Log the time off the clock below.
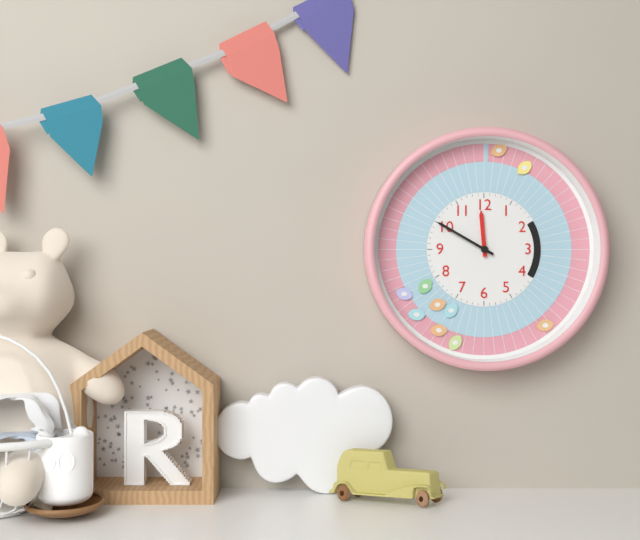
11:50
